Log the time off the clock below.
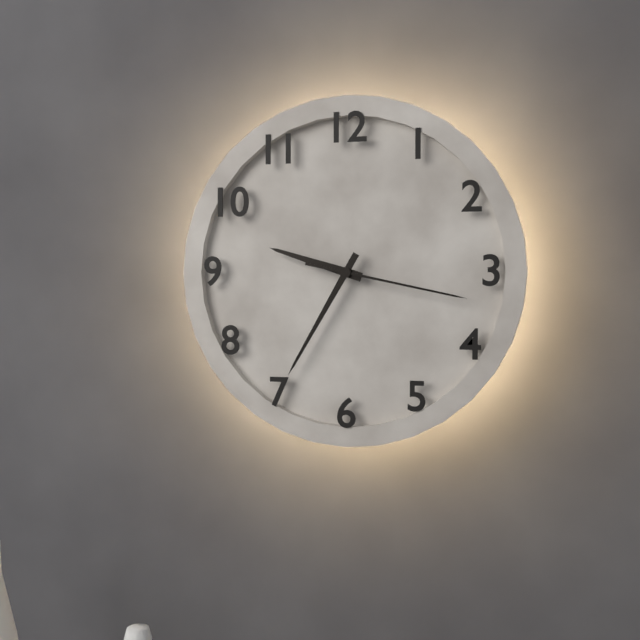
9:35:17
